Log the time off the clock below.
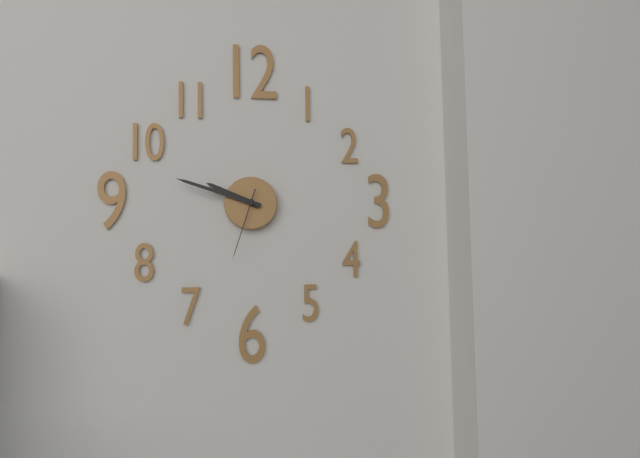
9:48:33
